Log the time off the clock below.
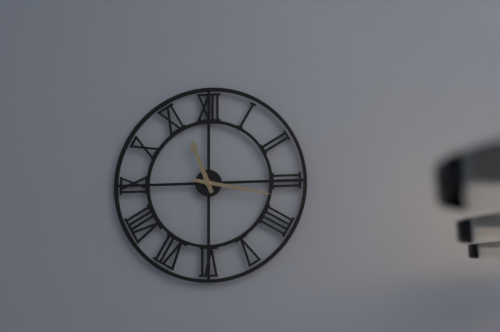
11:17
